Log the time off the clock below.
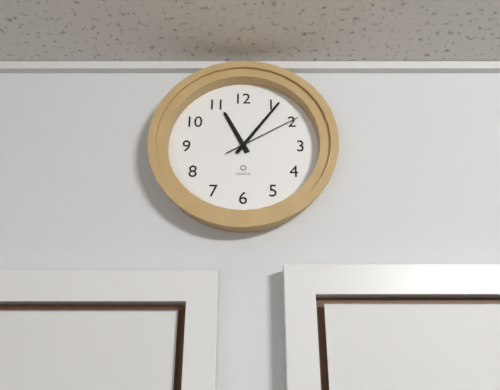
11:06:10
